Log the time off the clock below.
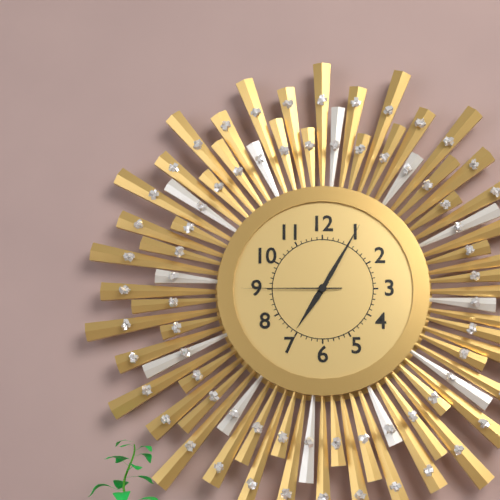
7:05:45
